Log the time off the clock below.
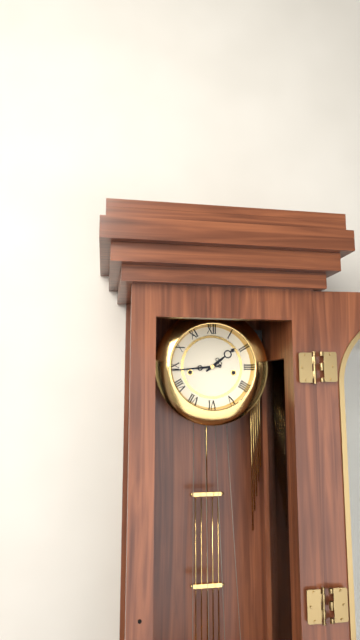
1:44
